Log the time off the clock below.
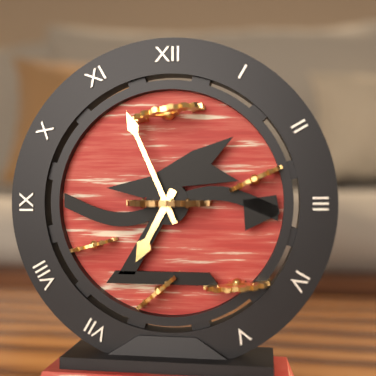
6:56
